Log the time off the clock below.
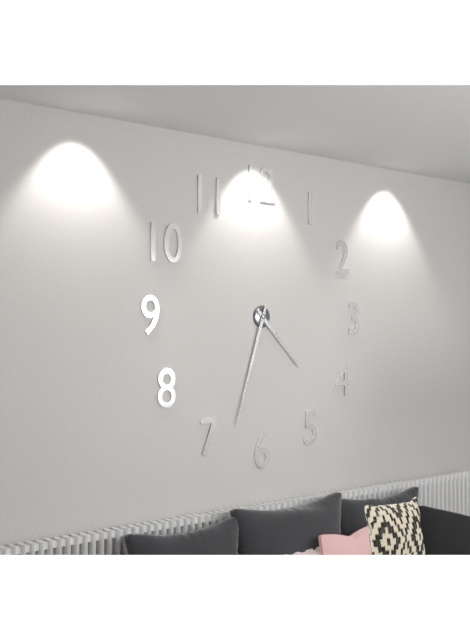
4:33
